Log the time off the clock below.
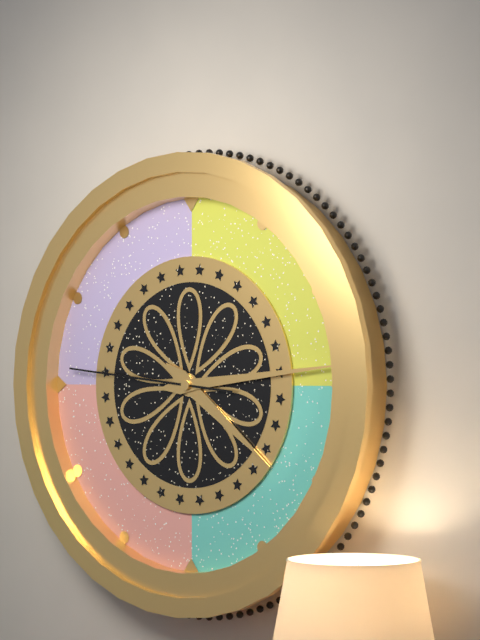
4:14:46
